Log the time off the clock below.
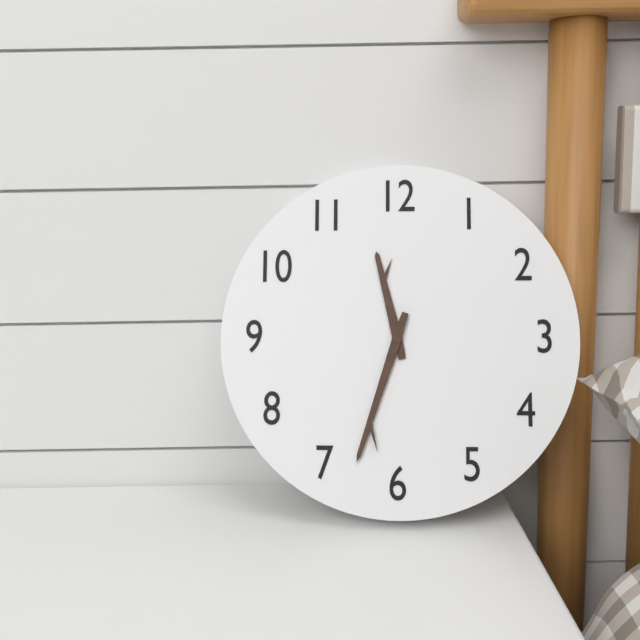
11:33
